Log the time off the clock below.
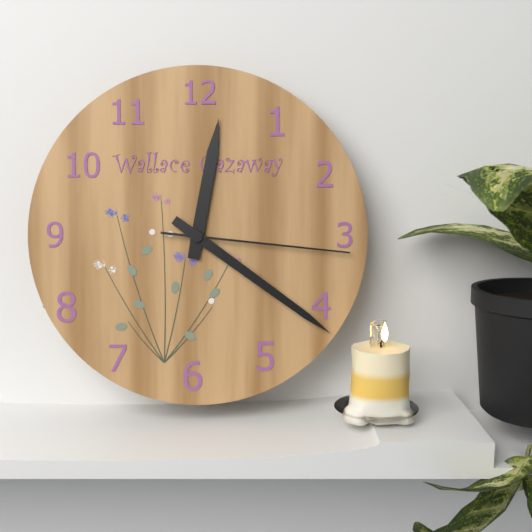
12:21:16
